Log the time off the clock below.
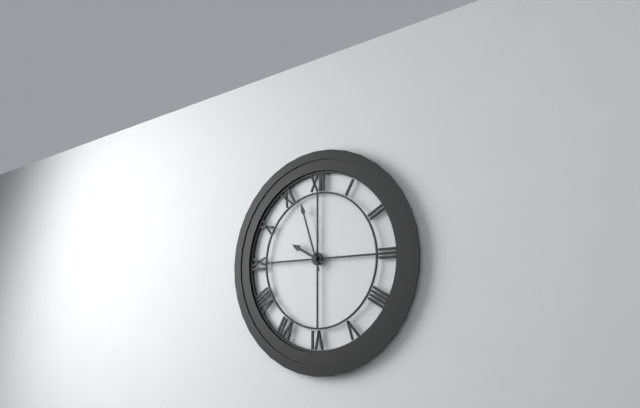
9:57
